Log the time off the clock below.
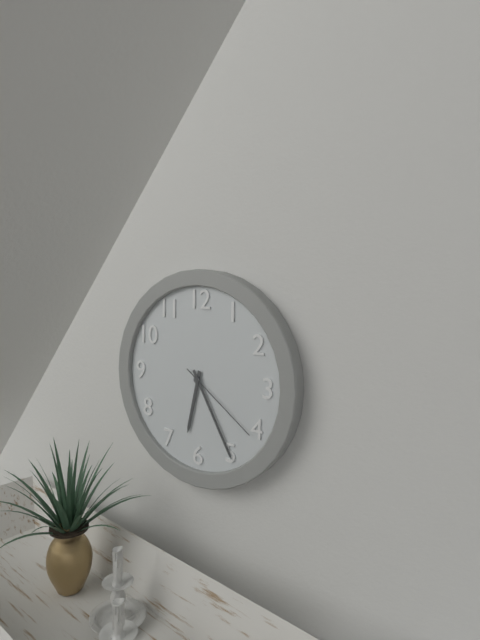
6:25:21
